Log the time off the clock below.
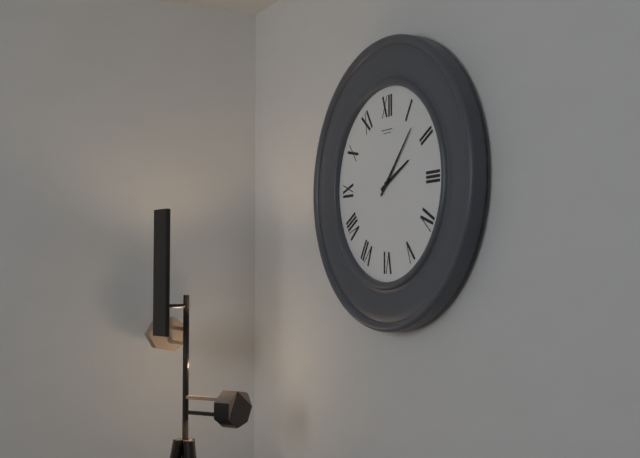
2:07
